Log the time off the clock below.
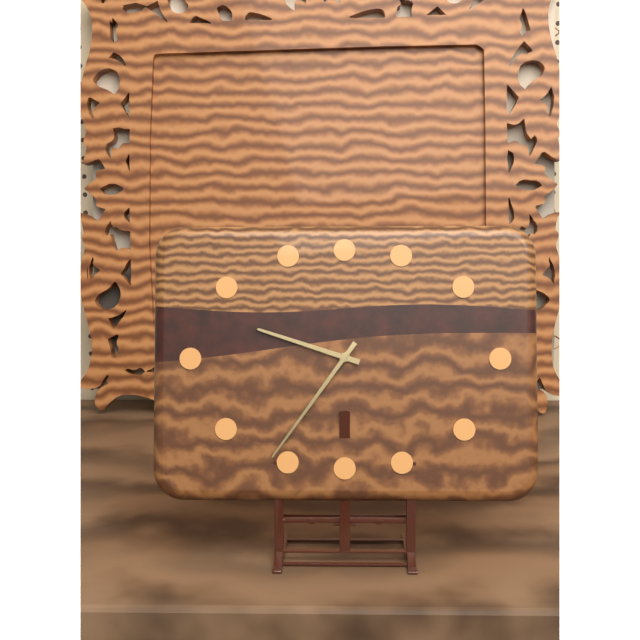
9:36
